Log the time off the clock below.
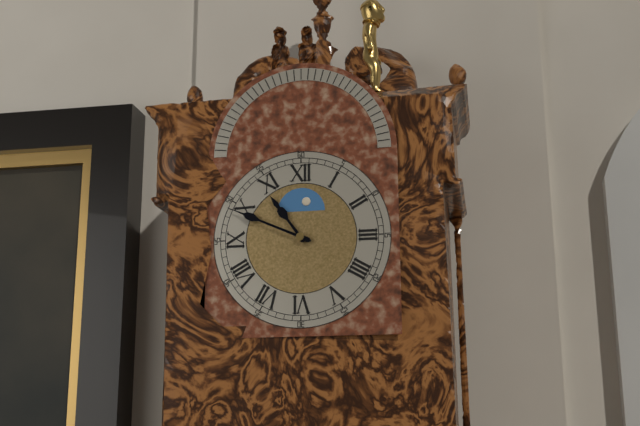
10:49
